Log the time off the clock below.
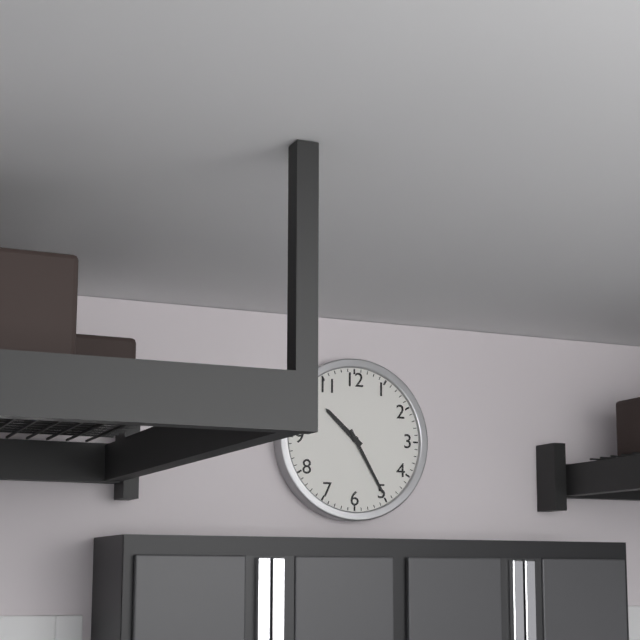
10:25
